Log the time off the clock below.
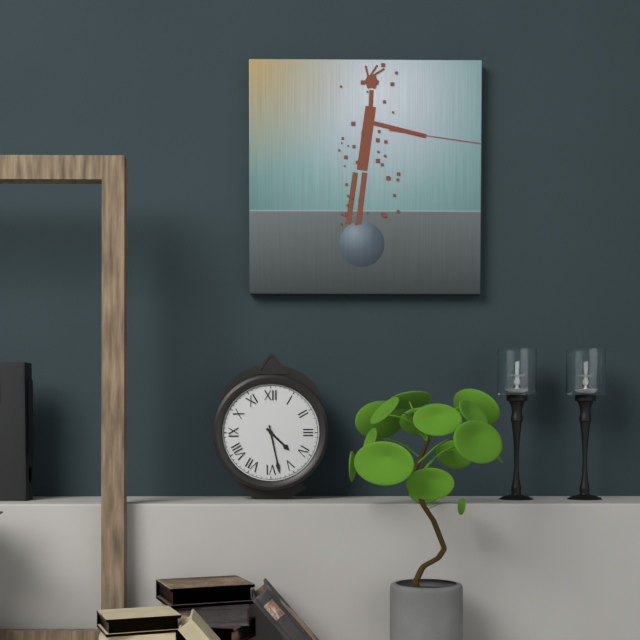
4:28
